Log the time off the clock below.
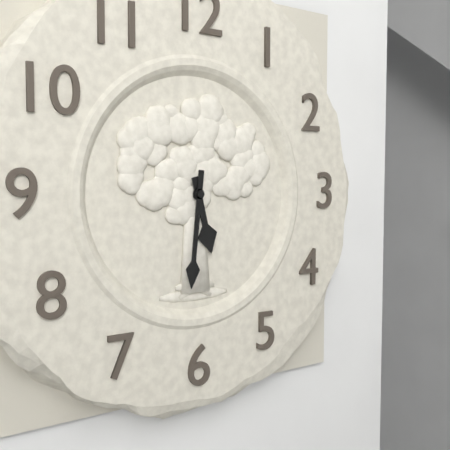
5:31
